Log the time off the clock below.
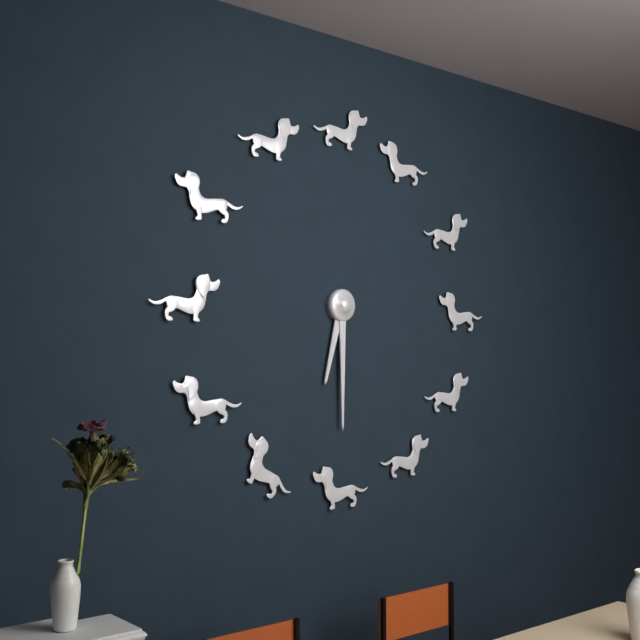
6:30
